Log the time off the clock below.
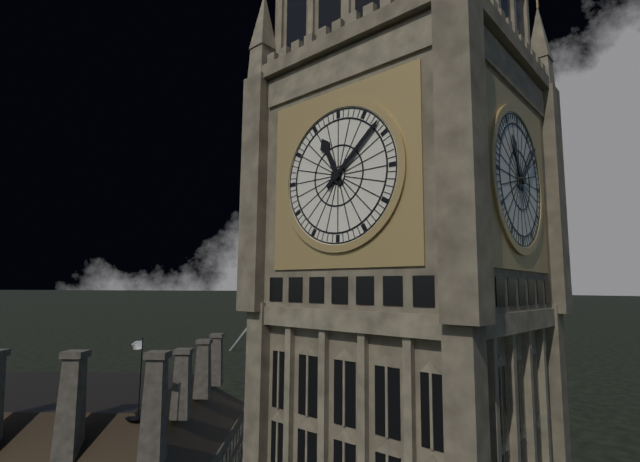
11:08
